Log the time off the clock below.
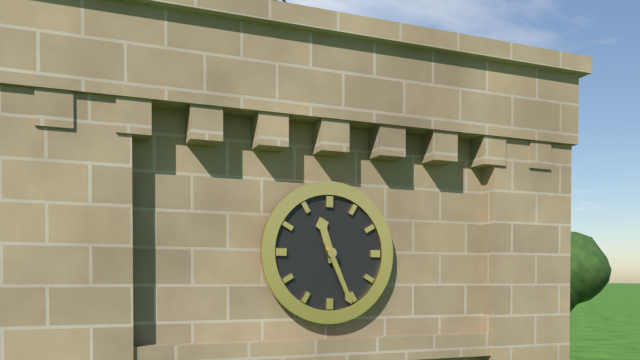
11:26
